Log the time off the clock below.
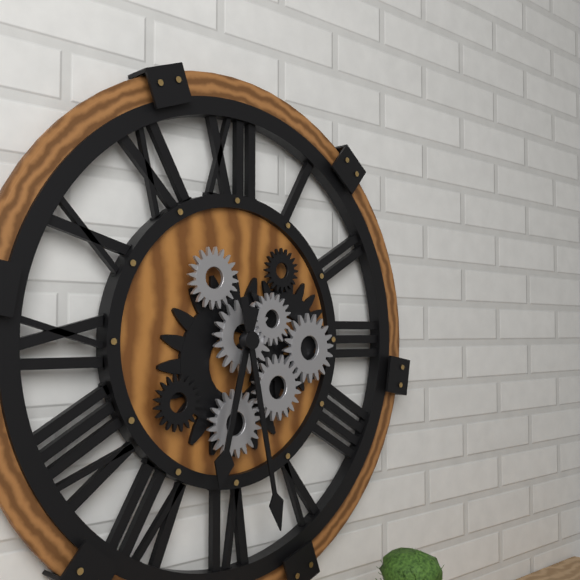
6:28
